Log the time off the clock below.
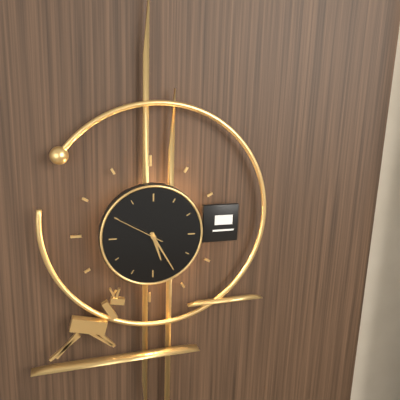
5:25:50
